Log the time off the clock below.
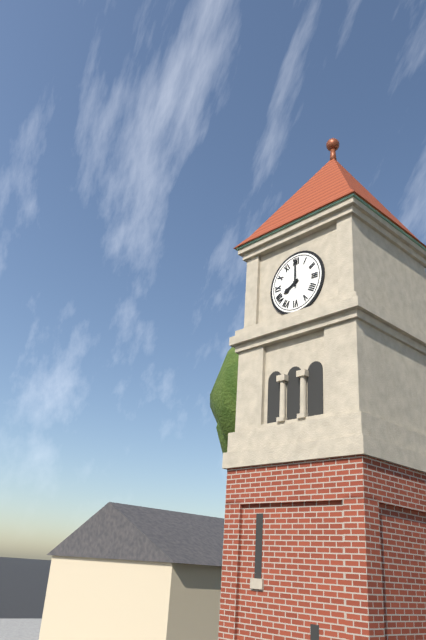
8:00
